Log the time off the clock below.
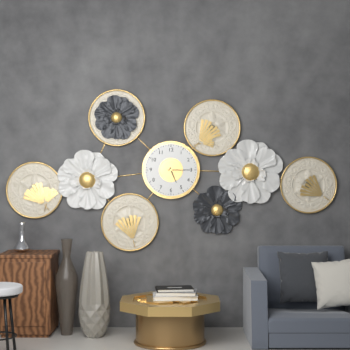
5:15
